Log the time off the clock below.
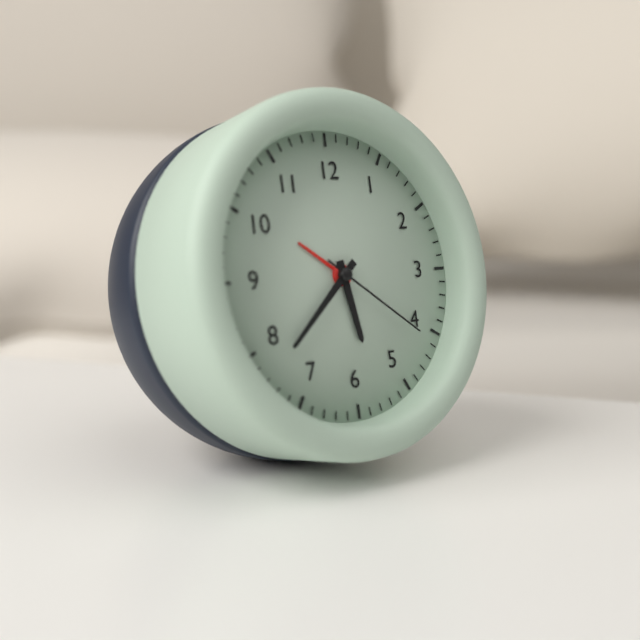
5:38:21
